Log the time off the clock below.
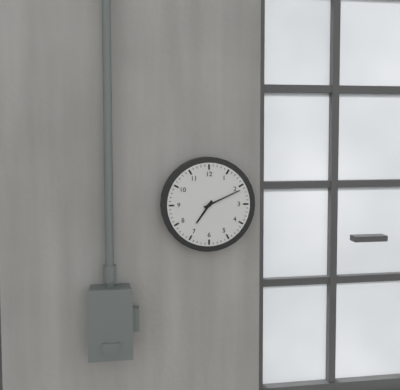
7:11
